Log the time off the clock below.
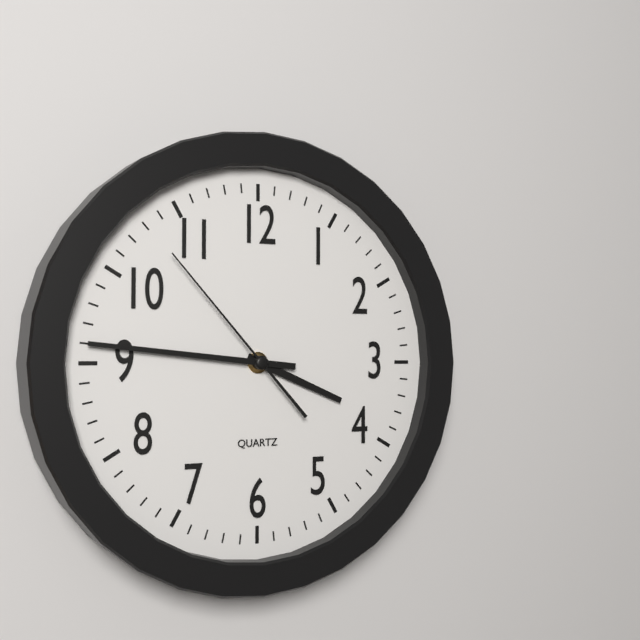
3:46:53
